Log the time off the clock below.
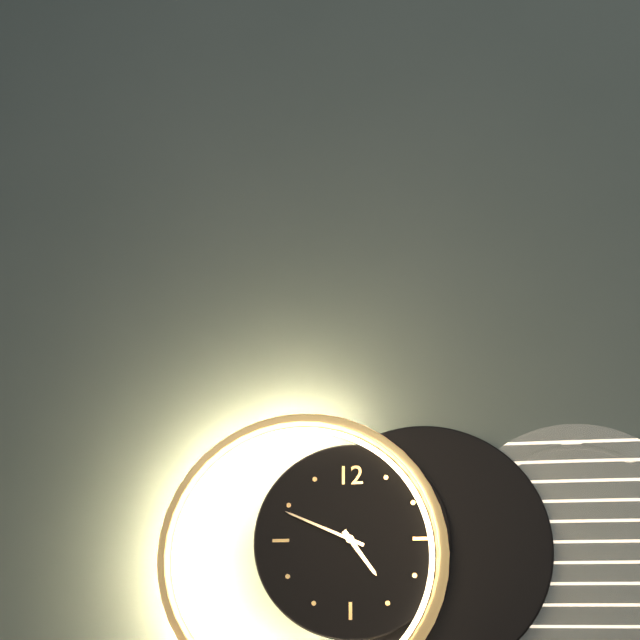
4:49
